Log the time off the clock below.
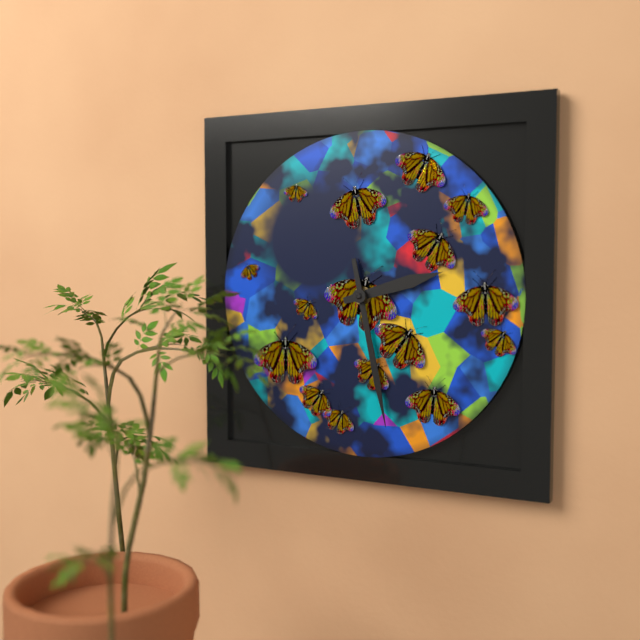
2:28
